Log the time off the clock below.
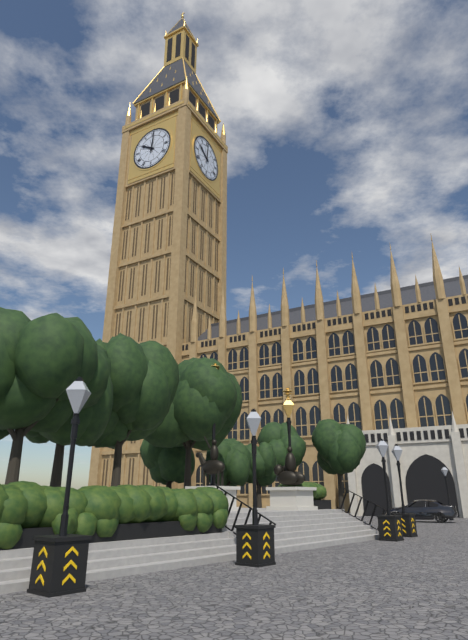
10:01
